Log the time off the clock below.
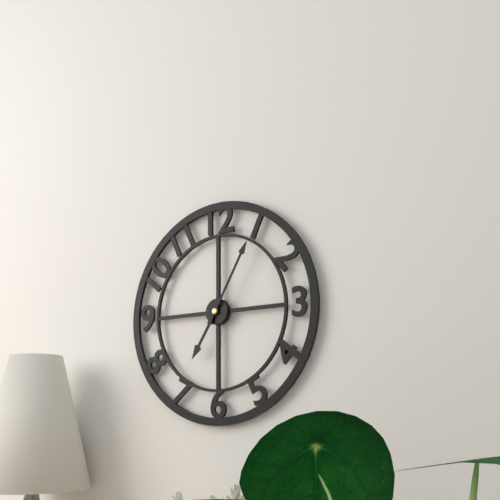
7:05
